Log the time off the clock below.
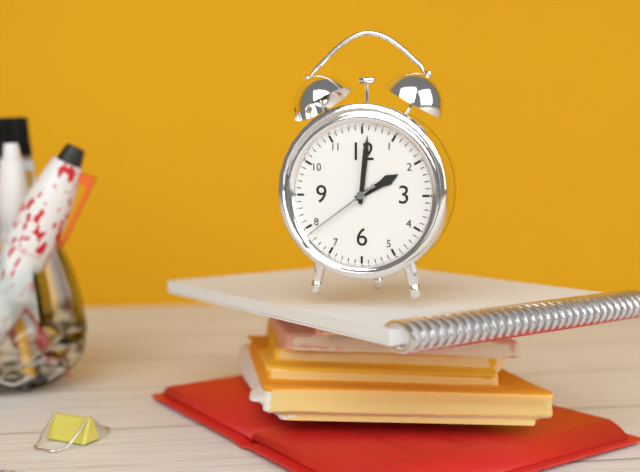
2:01:39
